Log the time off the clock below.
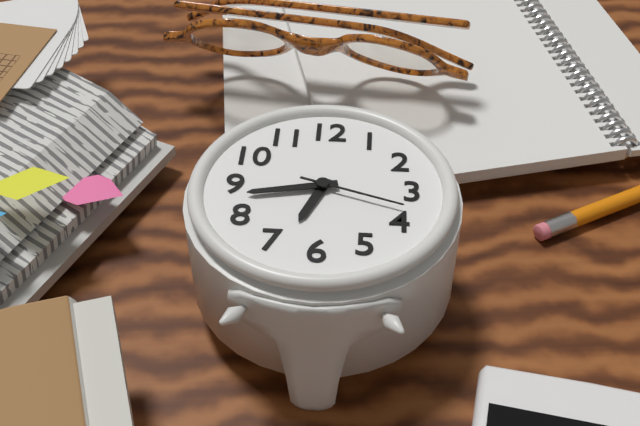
6:43:18
